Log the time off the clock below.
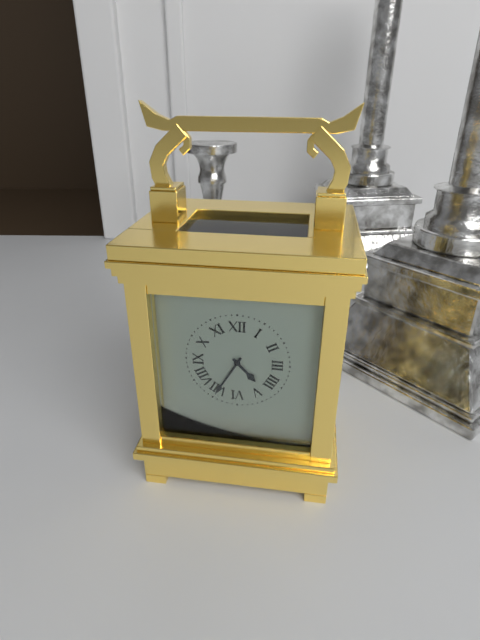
4:35
